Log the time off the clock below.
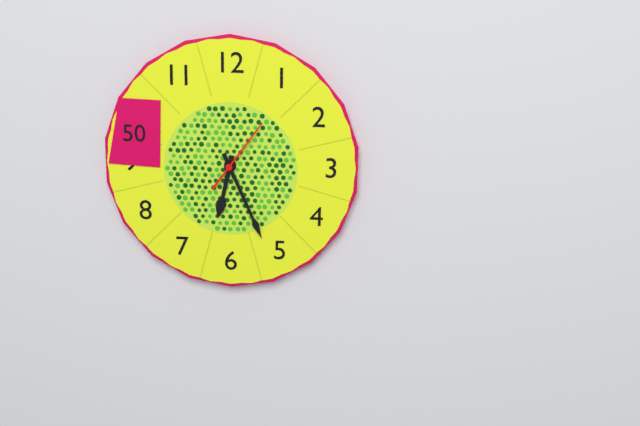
6:26:06
